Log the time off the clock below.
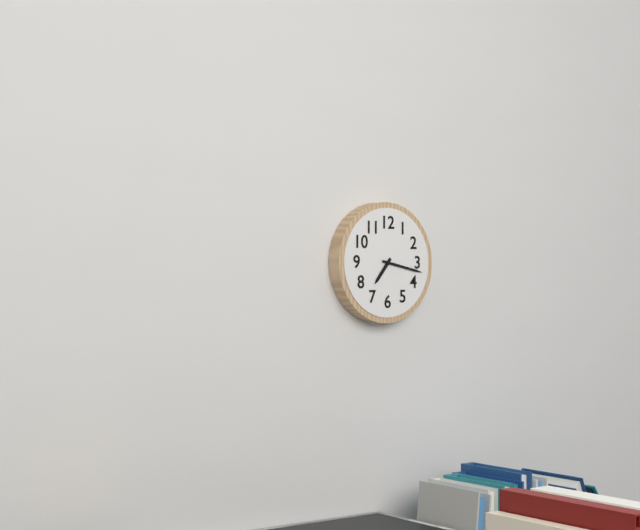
7:17
